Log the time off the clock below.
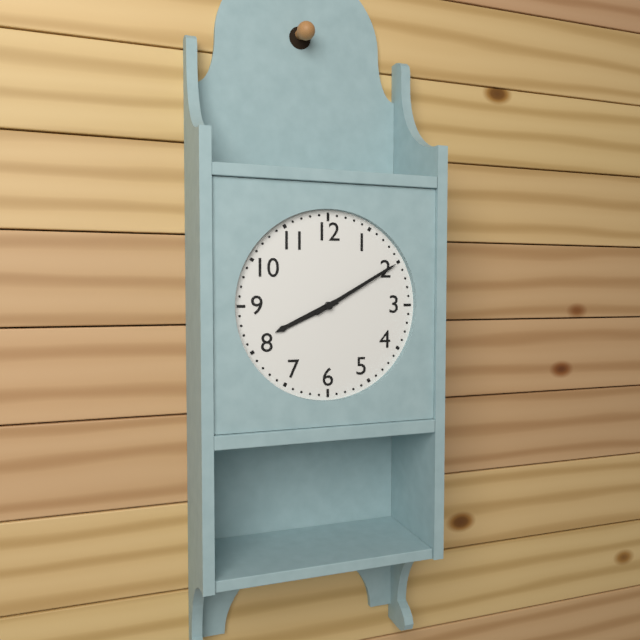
8:10
